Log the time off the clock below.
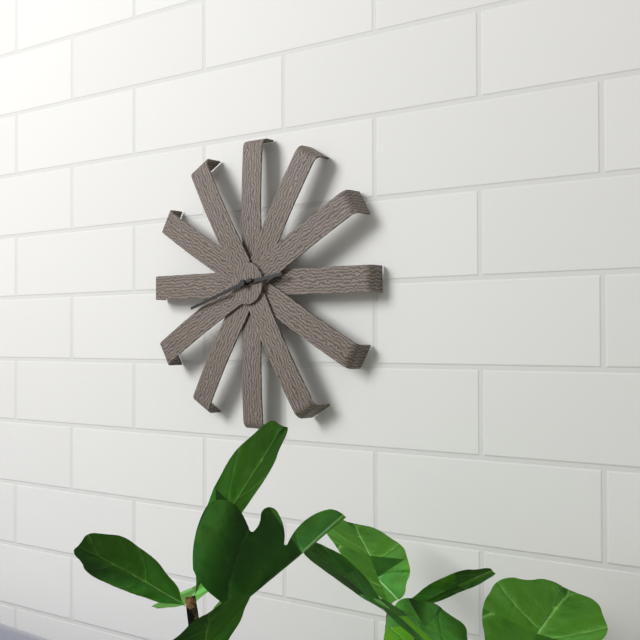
2:42
